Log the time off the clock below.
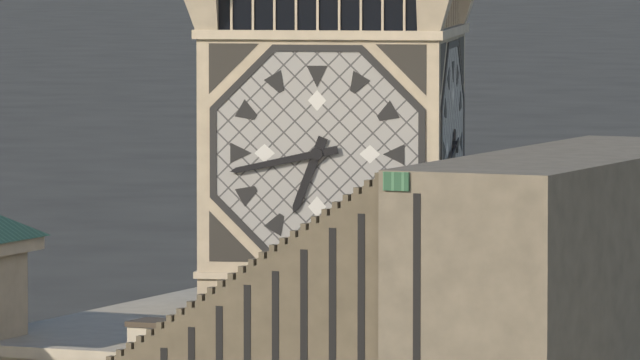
6:43
